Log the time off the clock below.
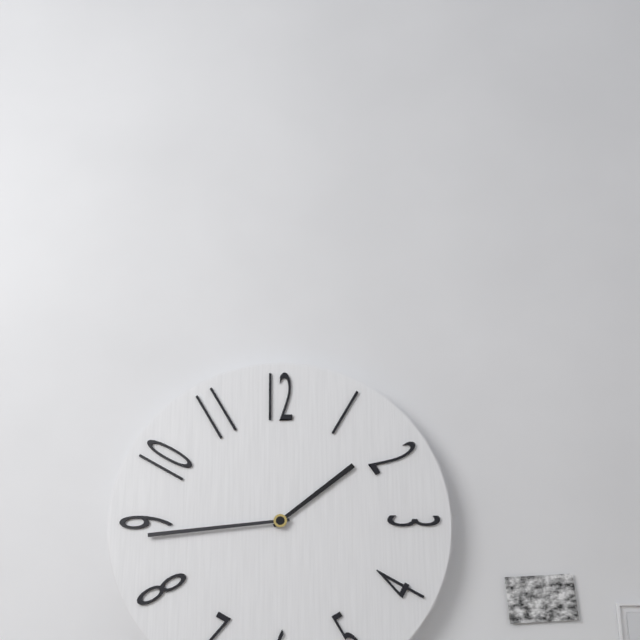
1:44
